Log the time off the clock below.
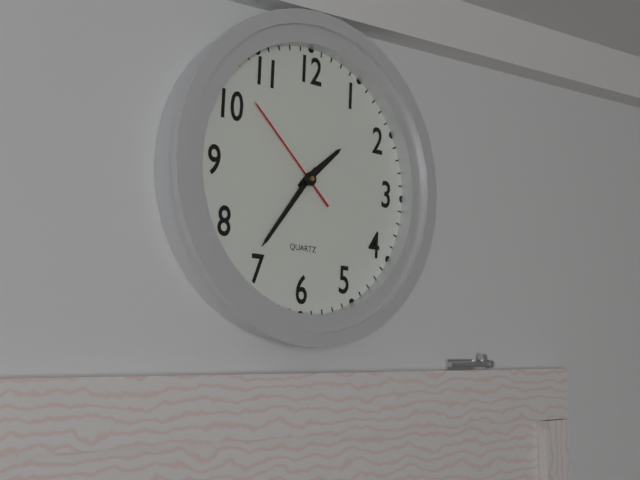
1:36:52
